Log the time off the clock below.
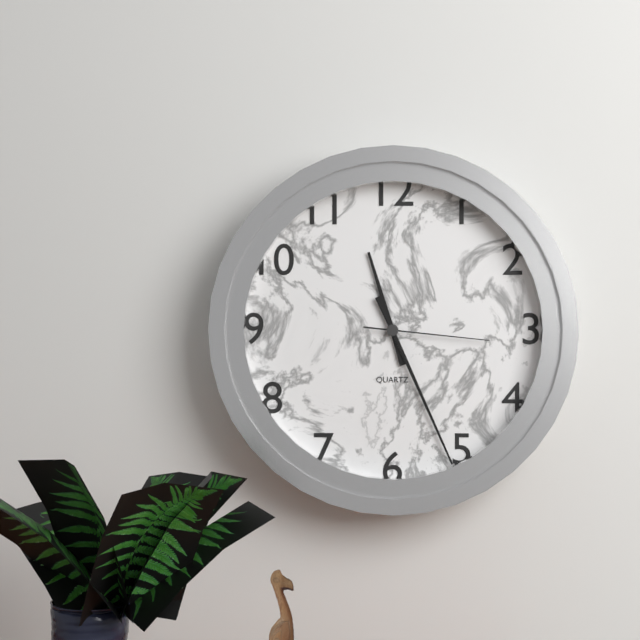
11:26:16
